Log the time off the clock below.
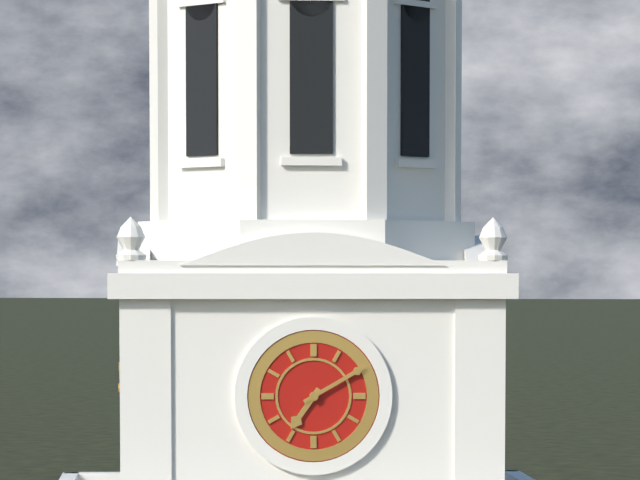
7:10
